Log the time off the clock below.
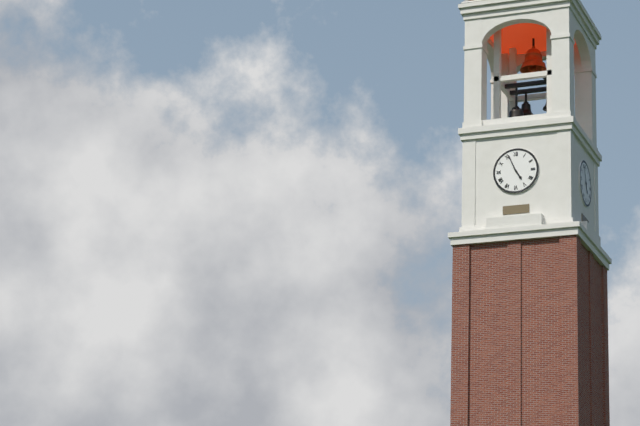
4:56
